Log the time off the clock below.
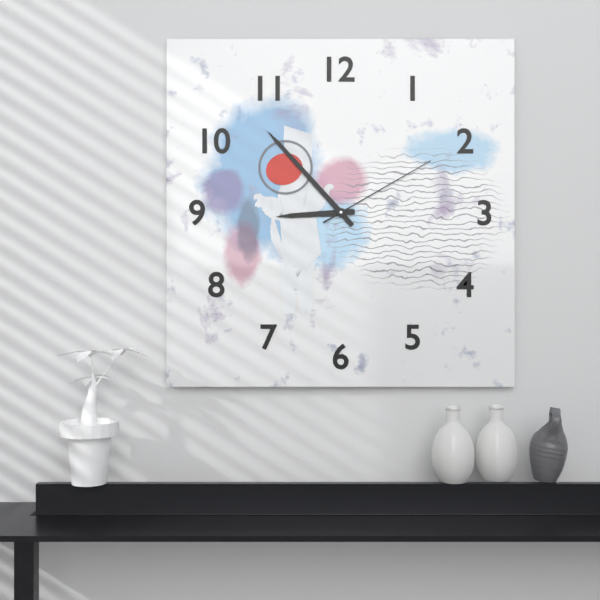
8:53:10
